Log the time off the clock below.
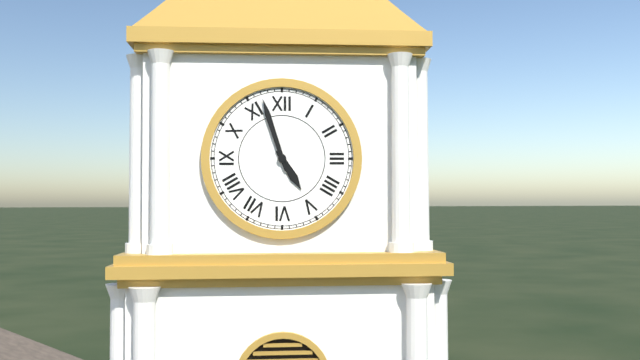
4:57
